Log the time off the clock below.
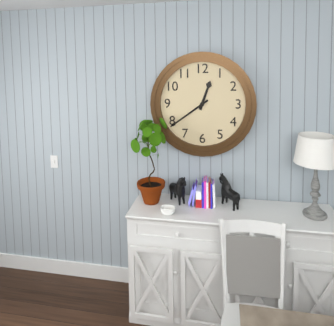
12:39
